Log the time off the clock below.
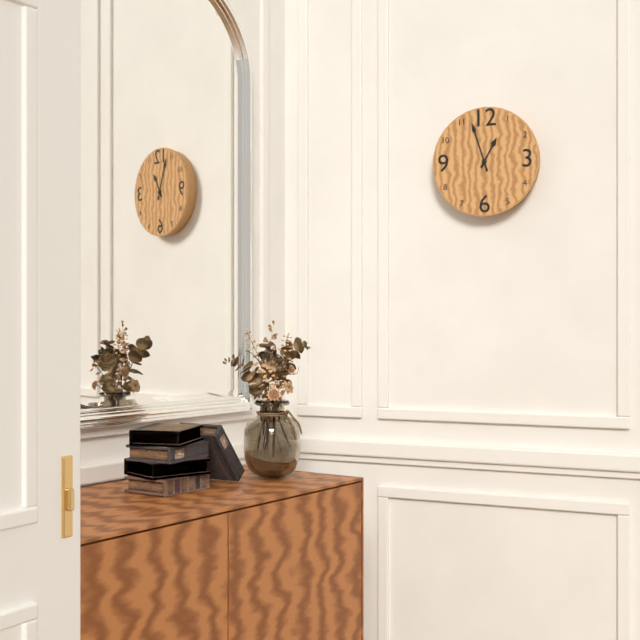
12:57
